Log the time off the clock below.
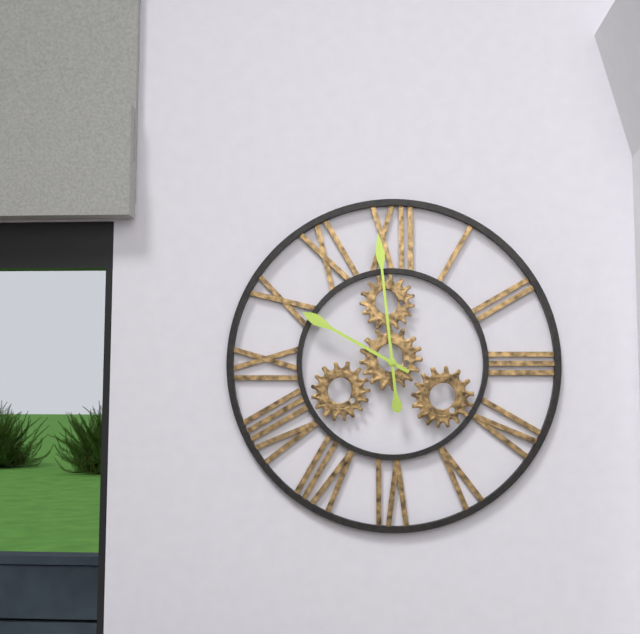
9:59
